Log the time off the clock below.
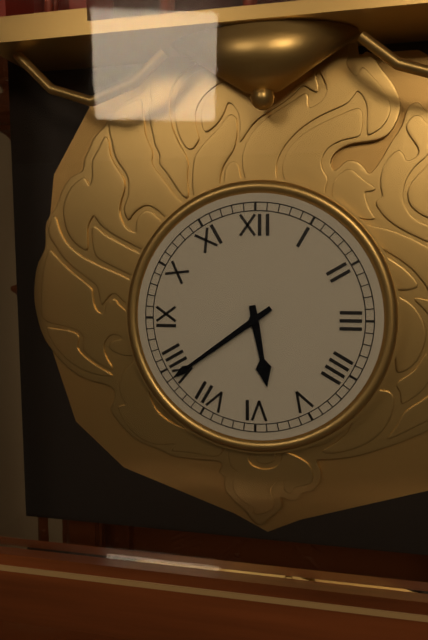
5:39
